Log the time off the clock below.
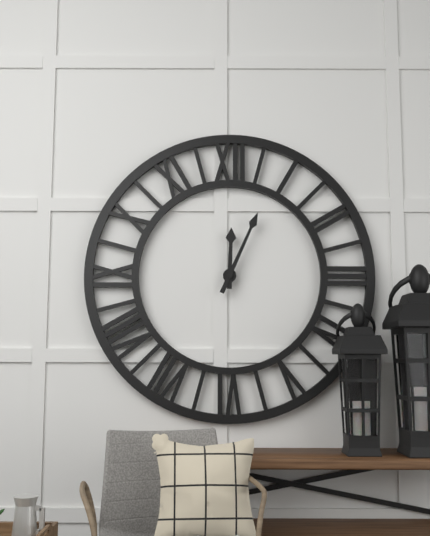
12:04
